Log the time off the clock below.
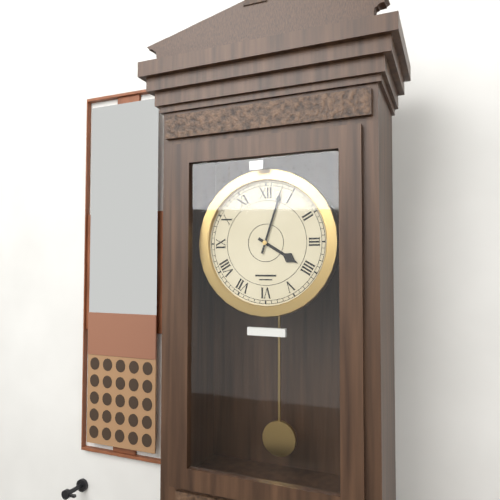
4:03
